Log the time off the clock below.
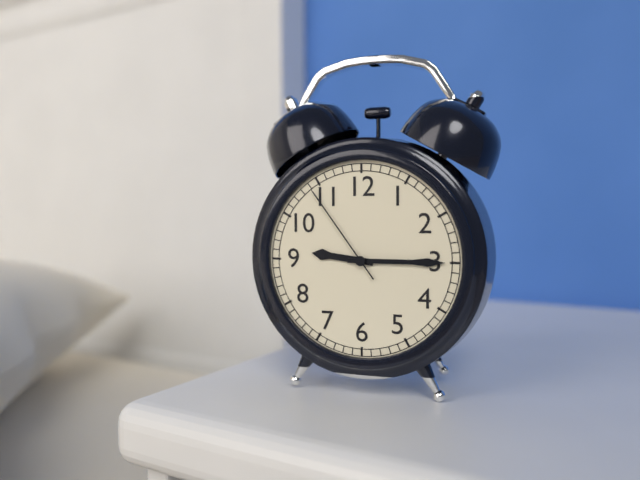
9:15:54
